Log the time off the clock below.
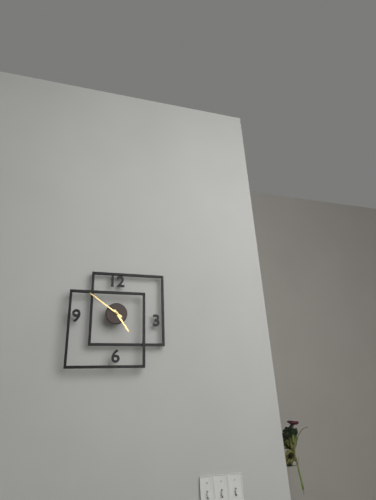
4:51
